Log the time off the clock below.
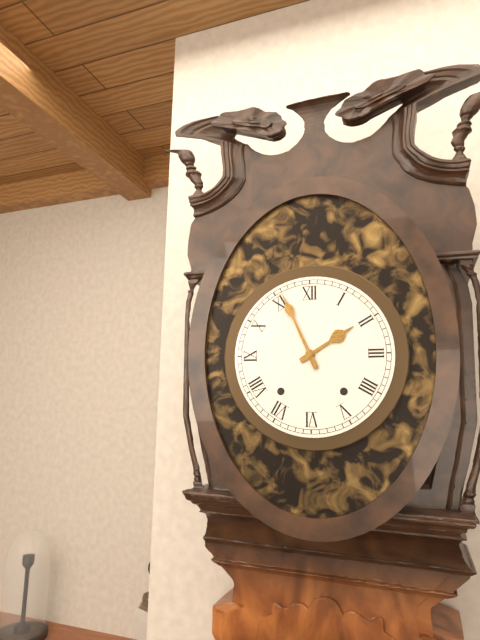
1:56
